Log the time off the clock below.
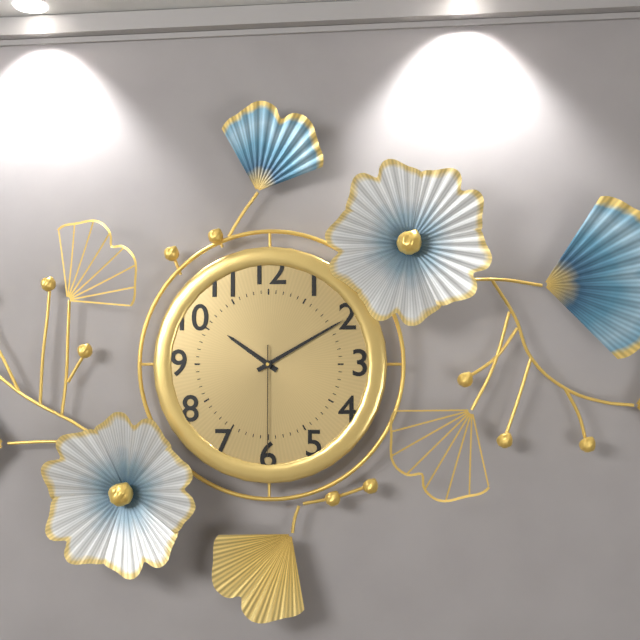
10:10:30
